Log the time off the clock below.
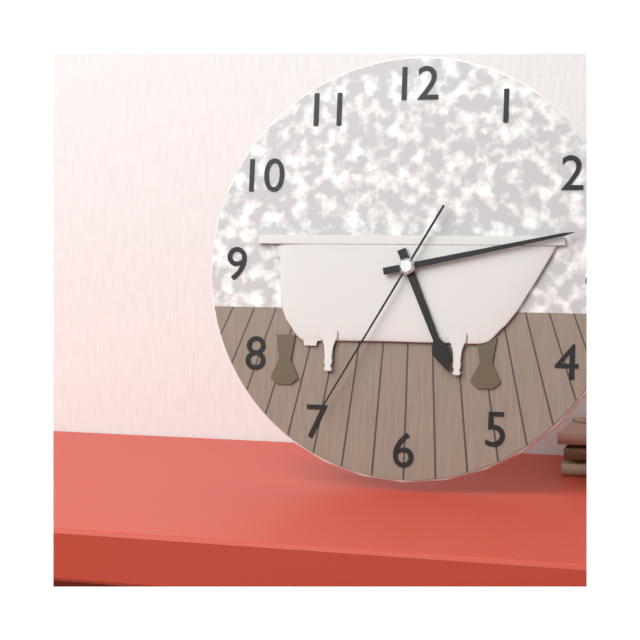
5:13:35
